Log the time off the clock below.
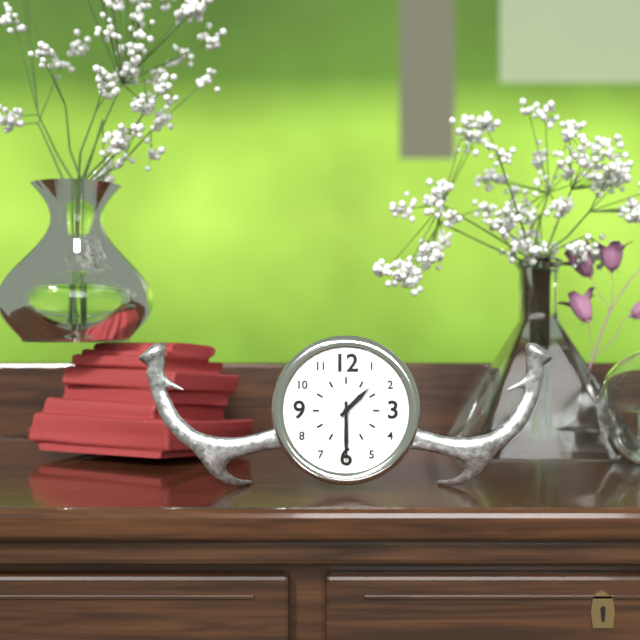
1:30
